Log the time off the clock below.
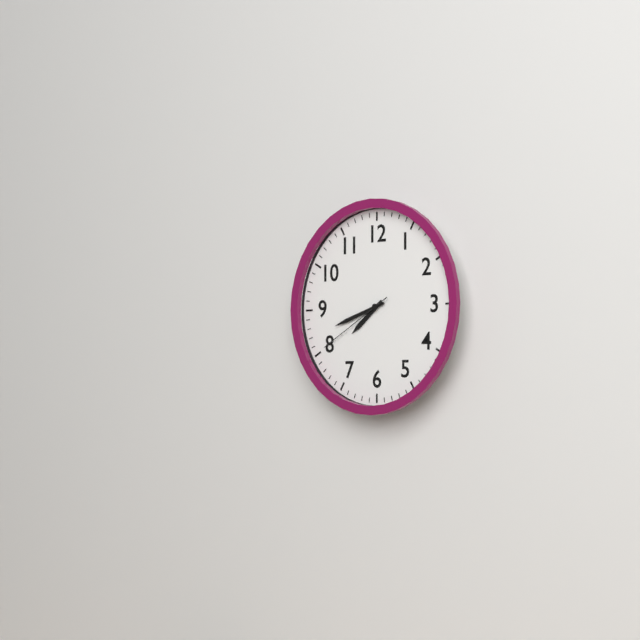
7:42:40
